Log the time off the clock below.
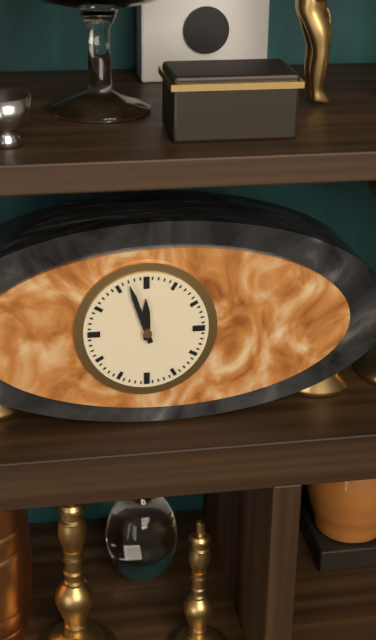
11:57
